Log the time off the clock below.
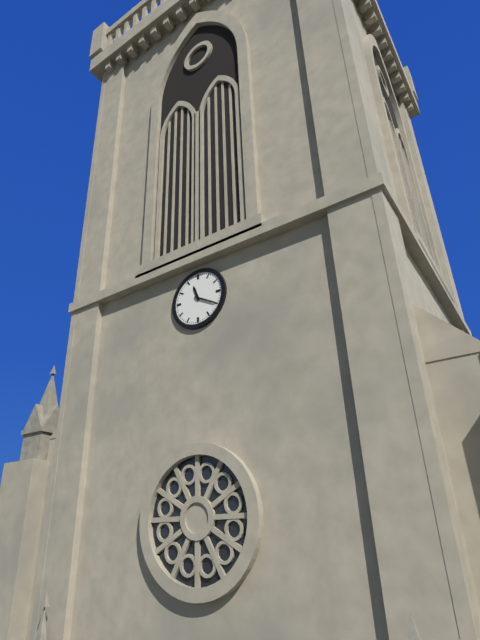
11:20
